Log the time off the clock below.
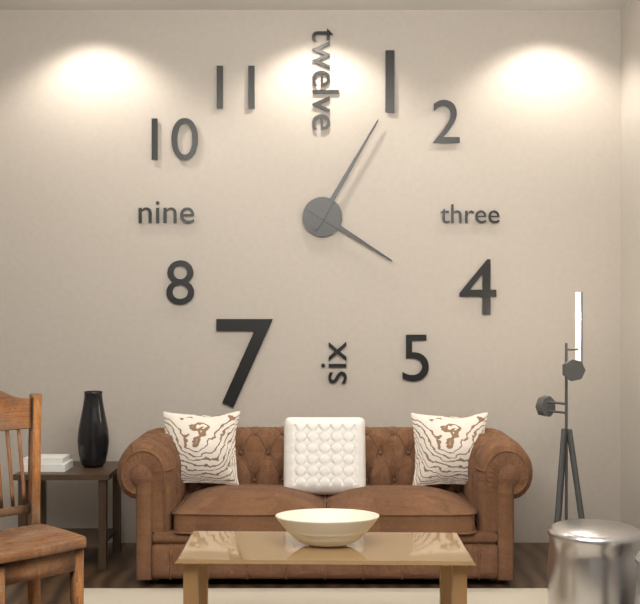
4:05
